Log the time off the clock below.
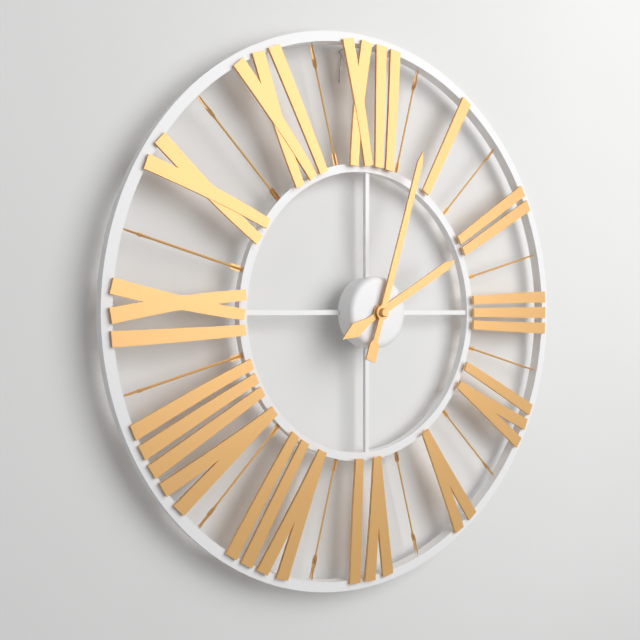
2:03
